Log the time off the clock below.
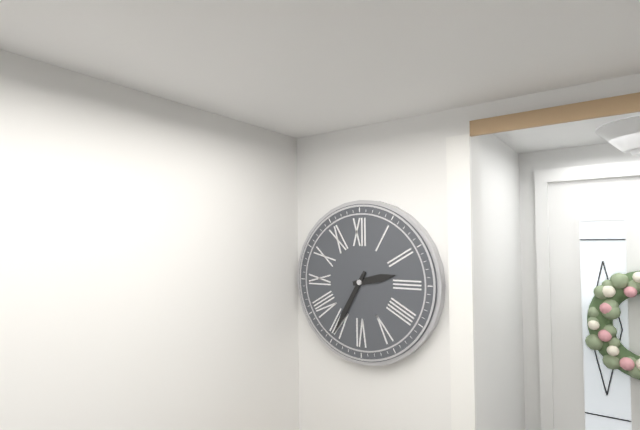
2:35
